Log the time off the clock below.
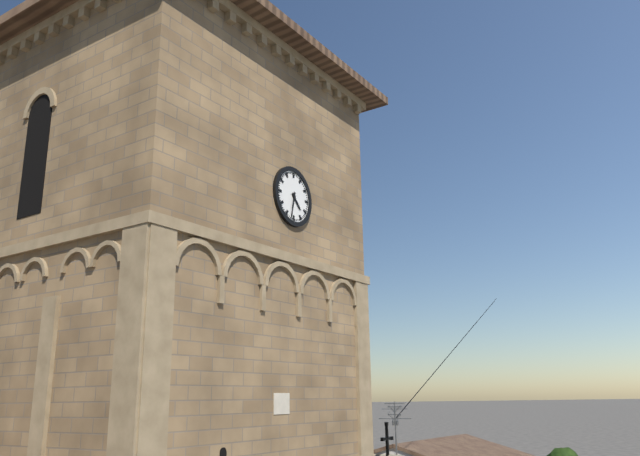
4:32
